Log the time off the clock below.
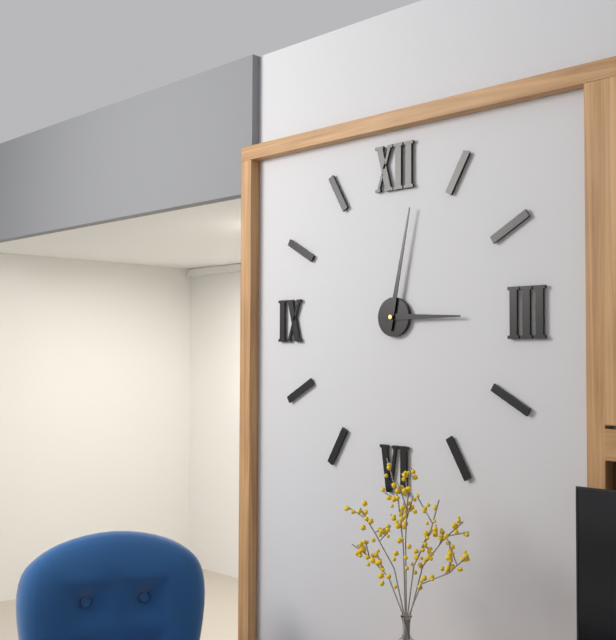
3:02
